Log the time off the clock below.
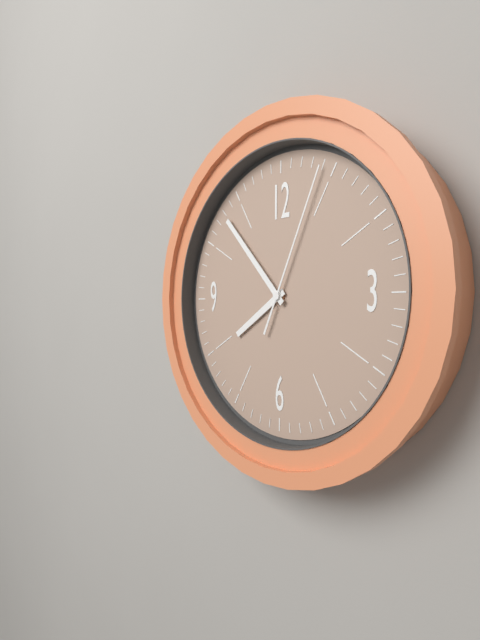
7:53:04
